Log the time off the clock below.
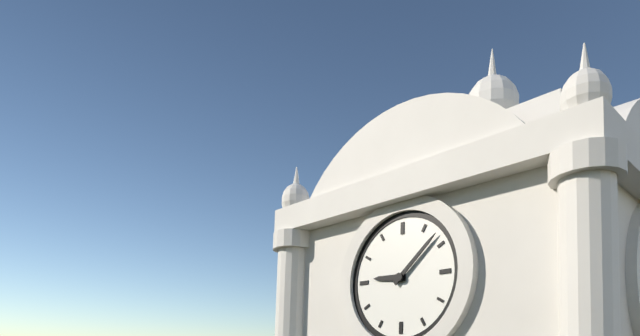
9:08
